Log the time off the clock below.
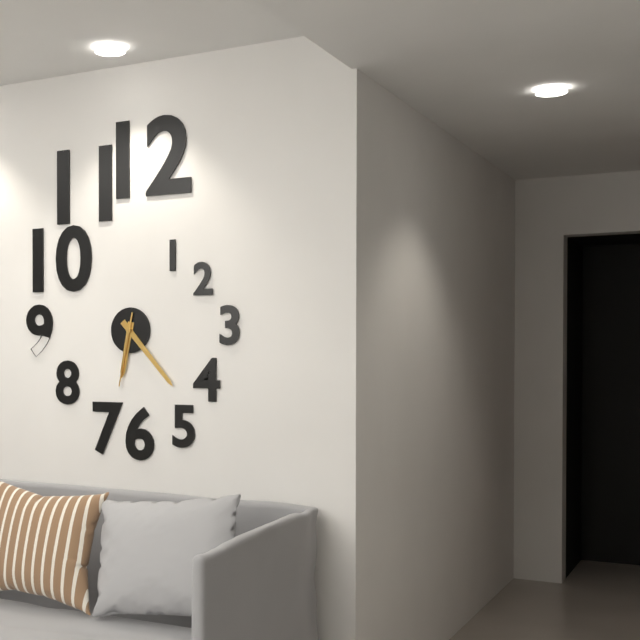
6:23:32
